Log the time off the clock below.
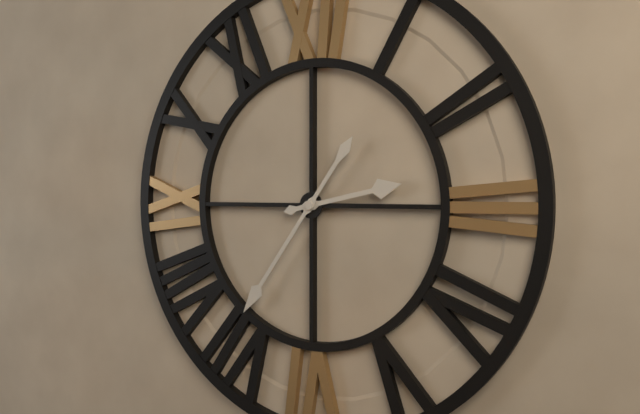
2:36
